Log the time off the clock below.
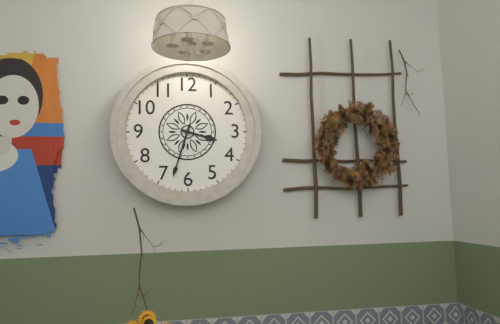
3:33
